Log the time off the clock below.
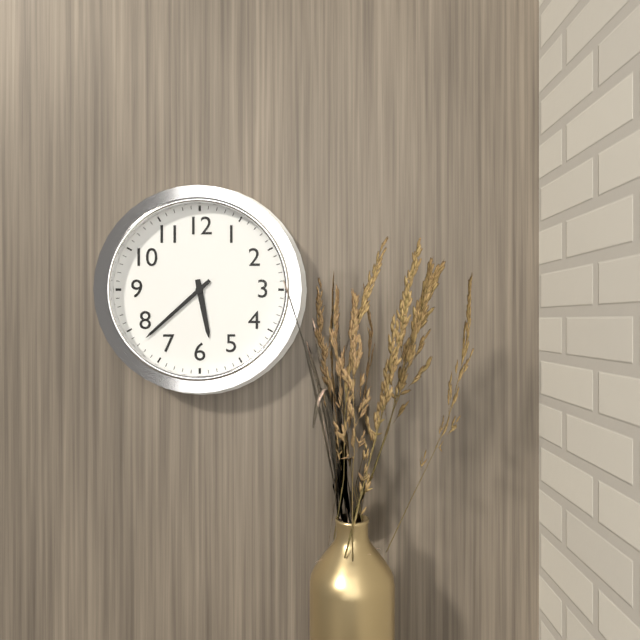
5:38
